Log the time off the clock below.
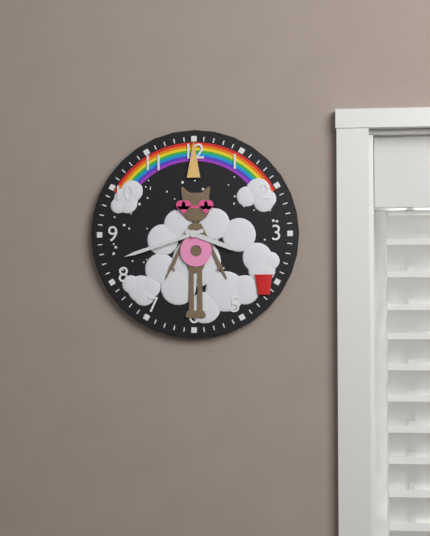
3:42
